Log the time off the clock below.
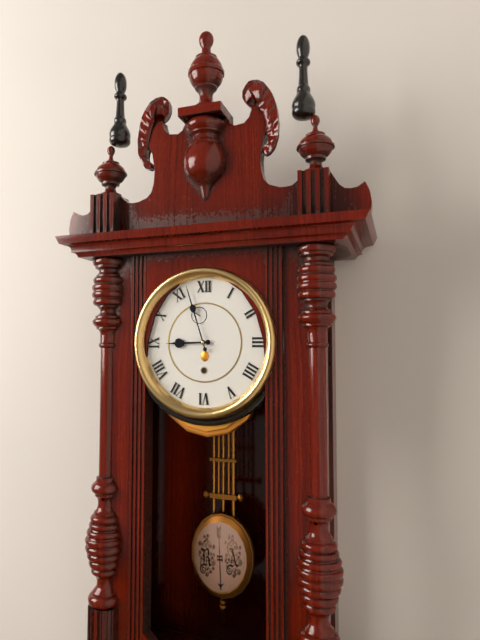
8:57
